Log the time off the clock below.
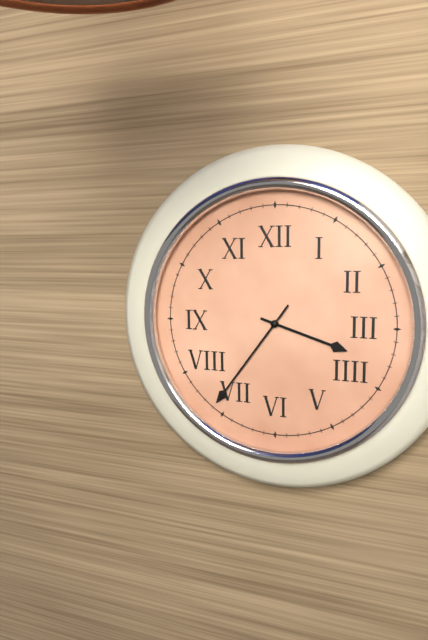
3:36
